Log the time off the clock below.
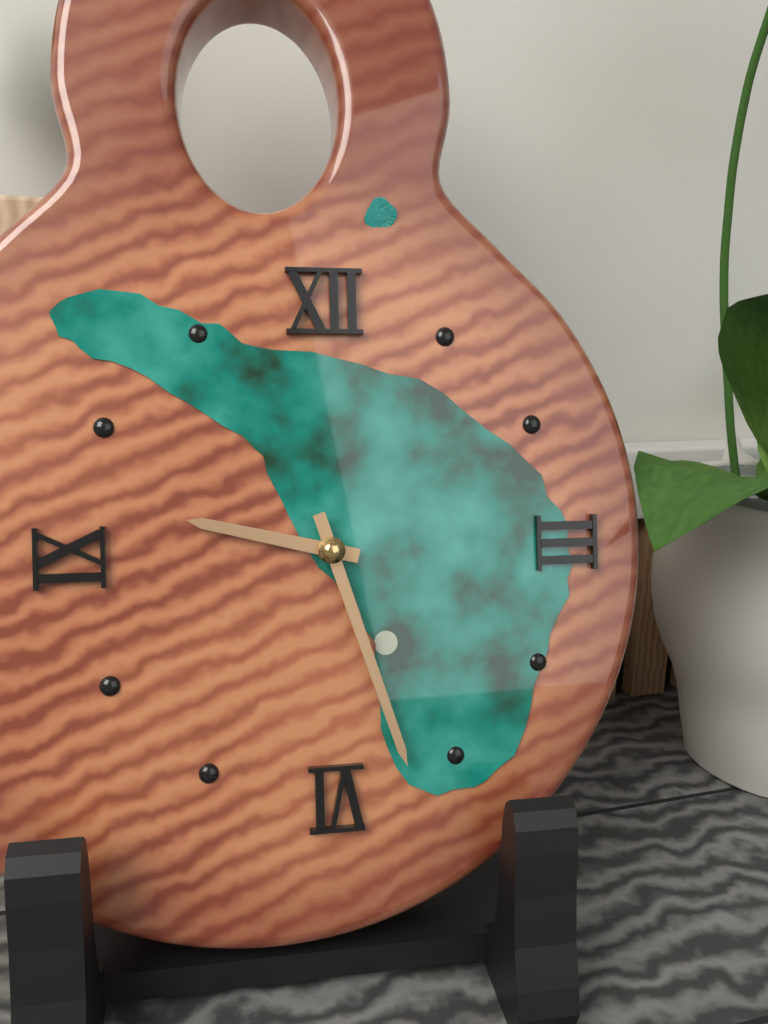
9:27
